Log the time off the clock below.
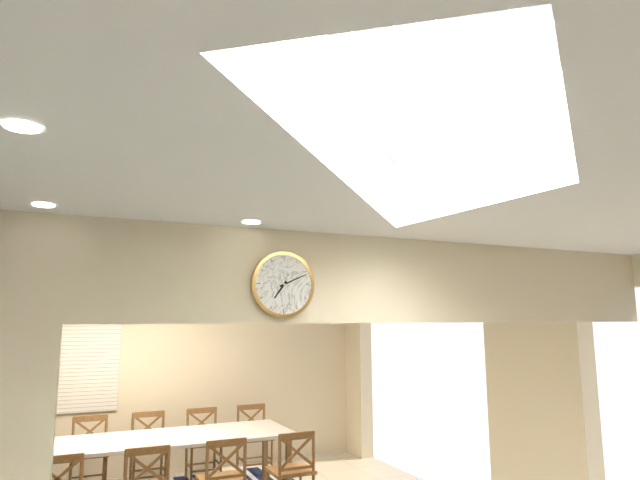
7:11
